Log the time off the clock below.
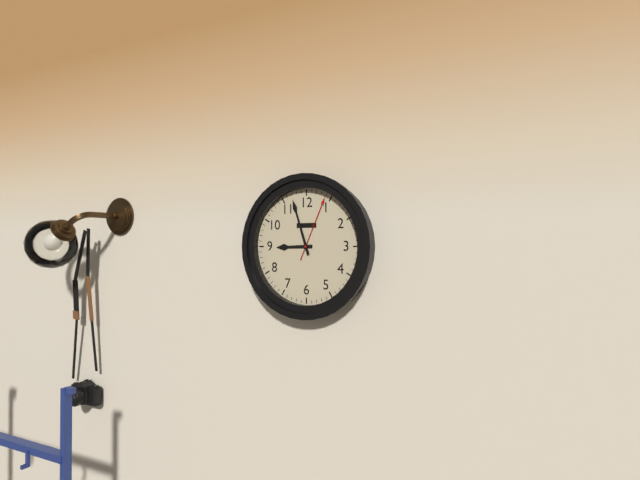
8:57:04
